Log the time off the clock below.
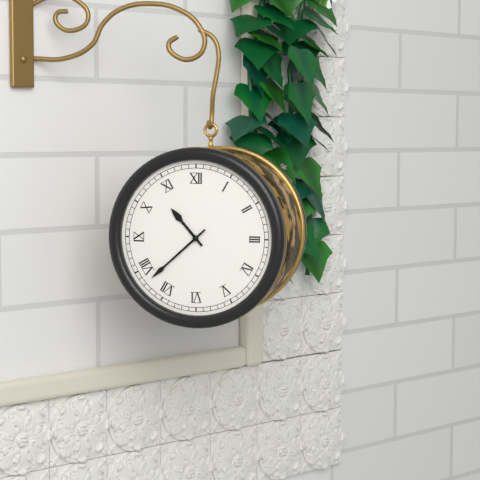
10:38
